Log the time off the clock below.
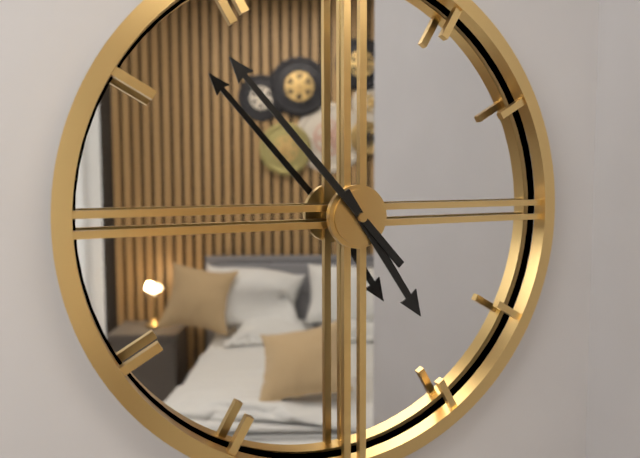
4:53
